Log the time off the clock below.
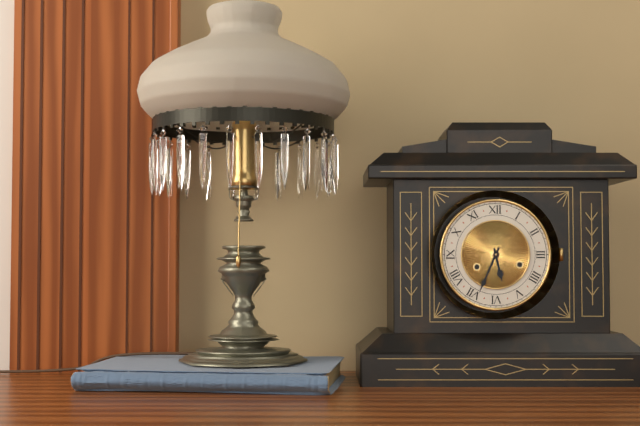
5:34
